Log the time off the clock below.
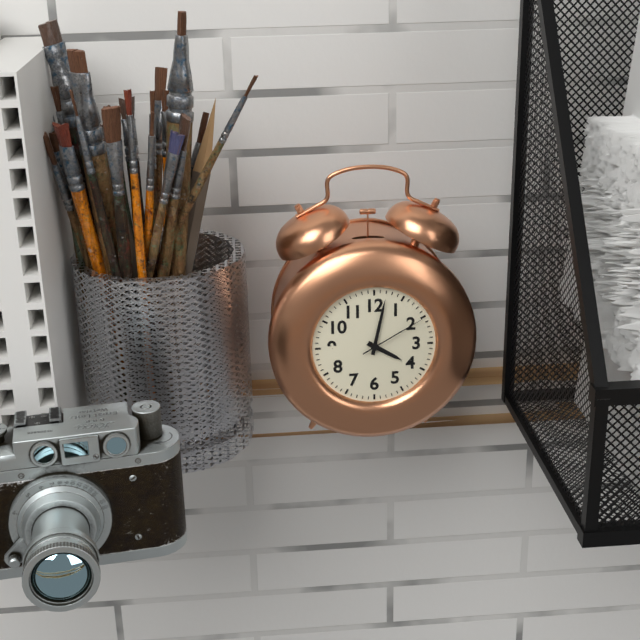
4:02:10
